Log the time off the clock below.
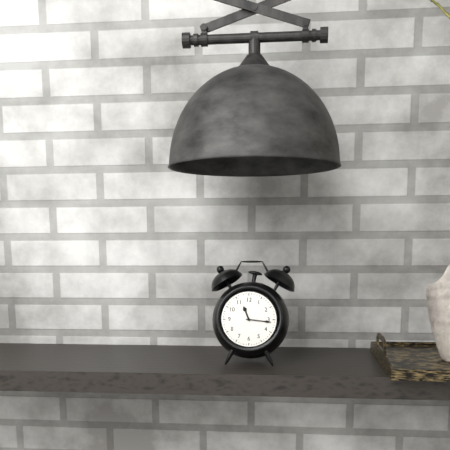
11:16
